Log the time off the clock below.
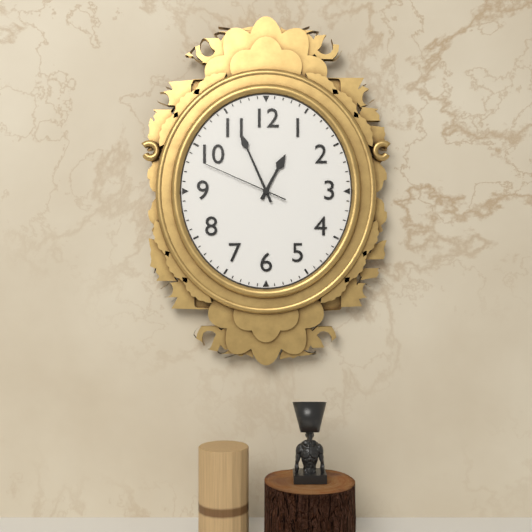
12:56:49
